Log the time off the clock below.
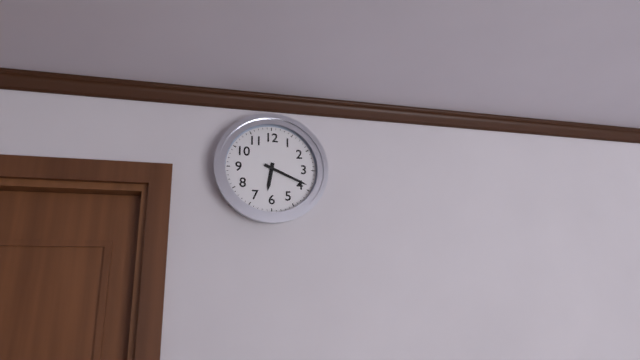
6:19
